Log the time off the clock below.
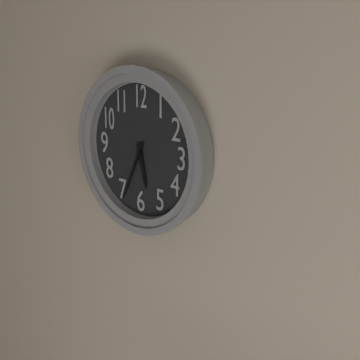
5:34
